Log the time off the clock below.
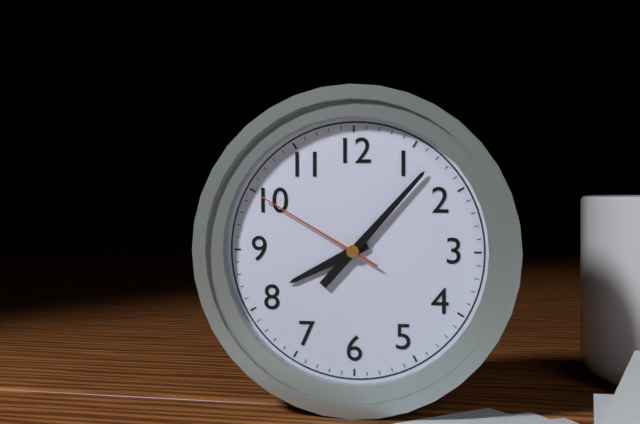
8:07:50
